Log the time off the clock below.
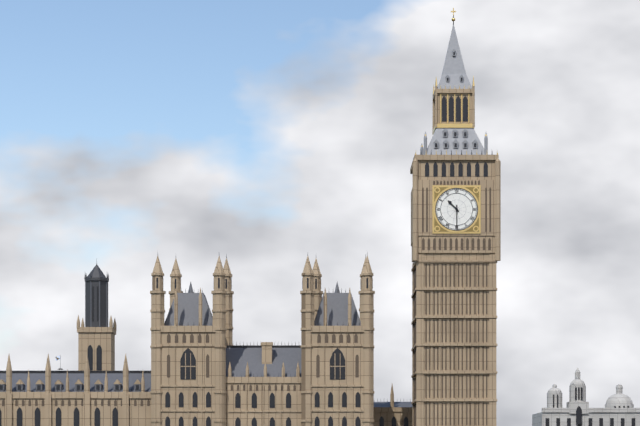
10:30
